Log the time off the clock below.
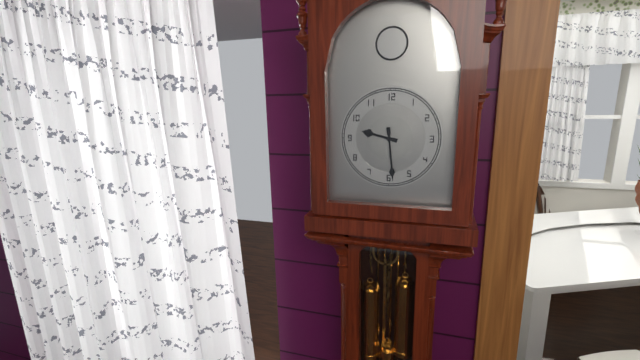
9:29
